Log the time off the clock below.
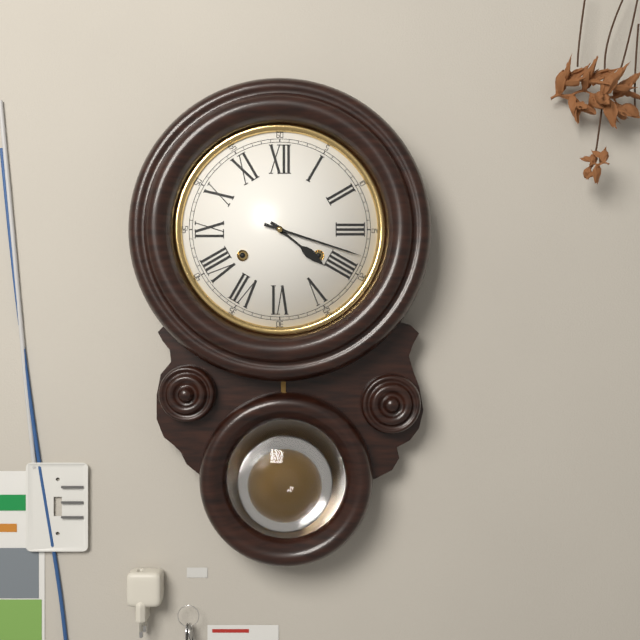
4:18
